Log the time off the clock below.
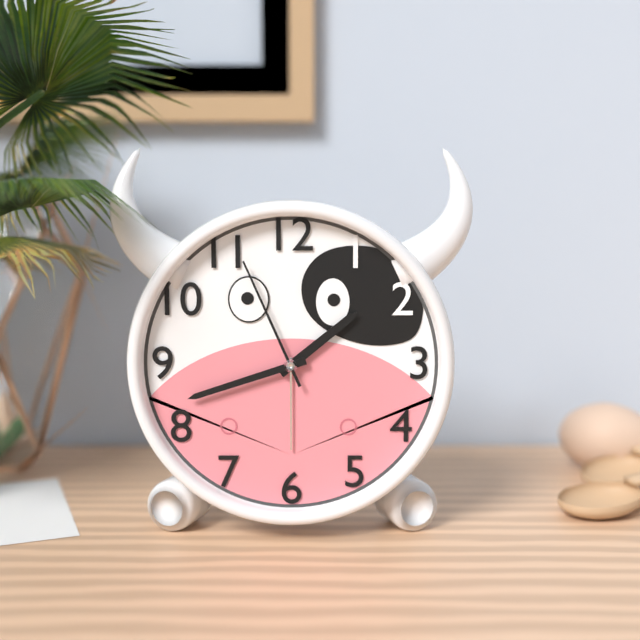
1:42:56
